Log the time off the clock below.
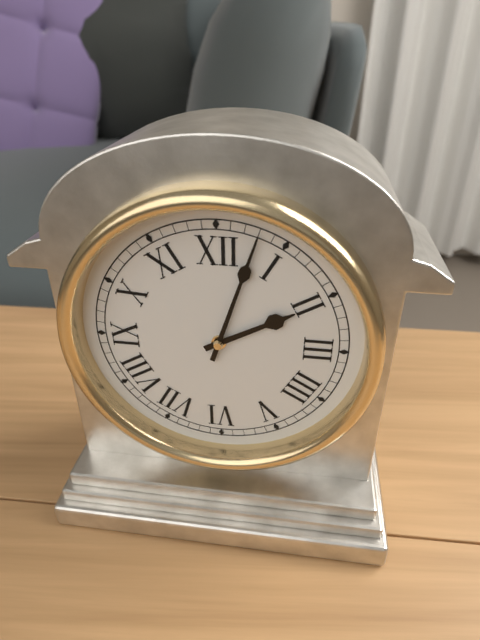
2:03
